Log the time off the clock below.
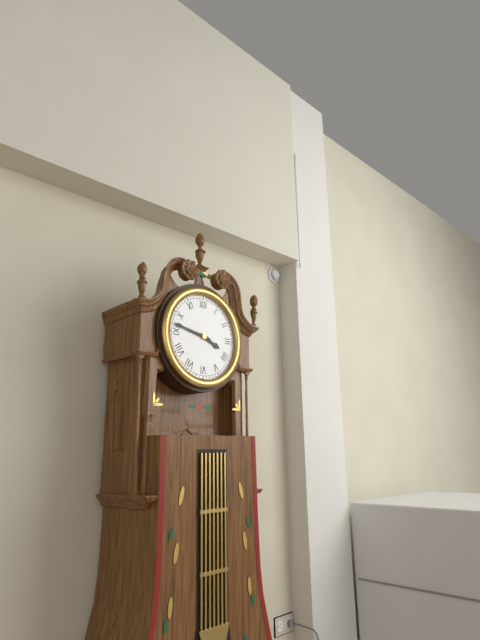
3:47
